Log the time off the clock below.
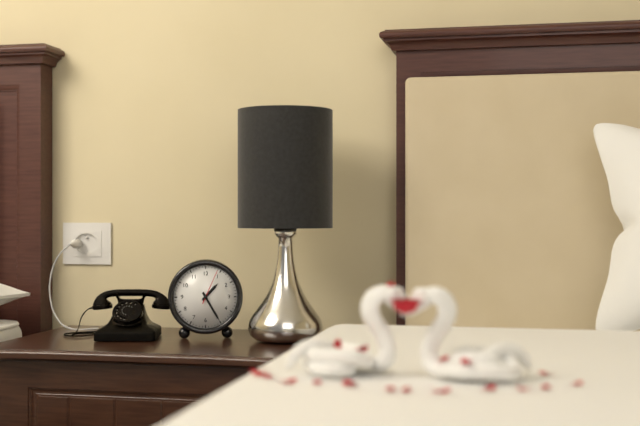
1:25
